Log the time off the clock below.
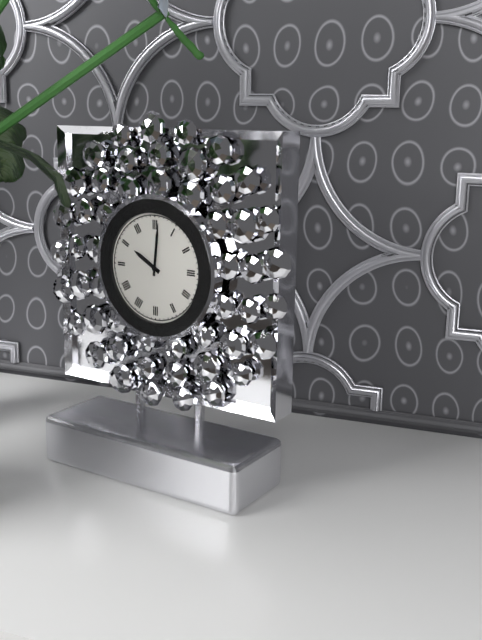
10:01
